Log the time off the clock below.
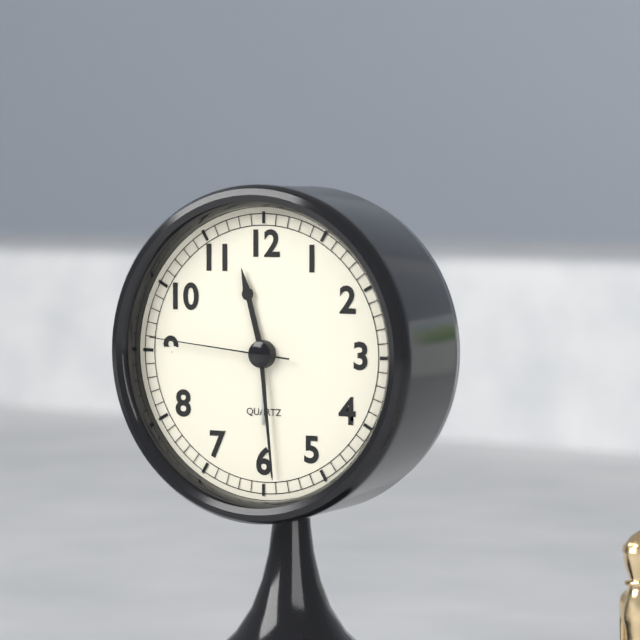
11:29:46
